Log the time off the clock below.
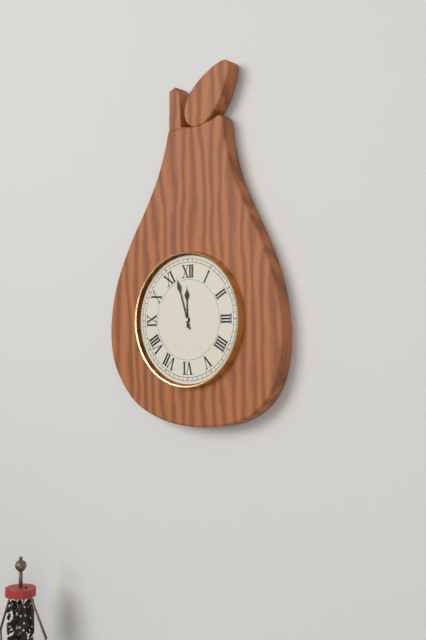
11:57
